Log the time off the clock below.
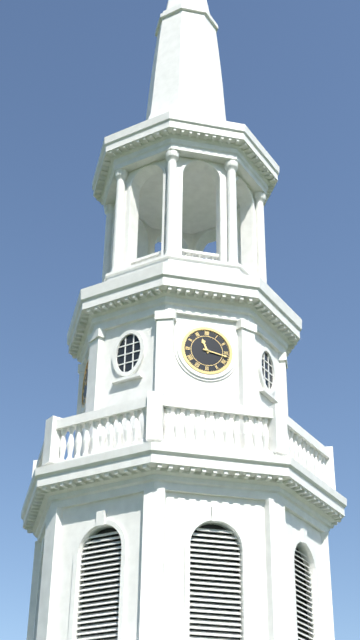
11:17
